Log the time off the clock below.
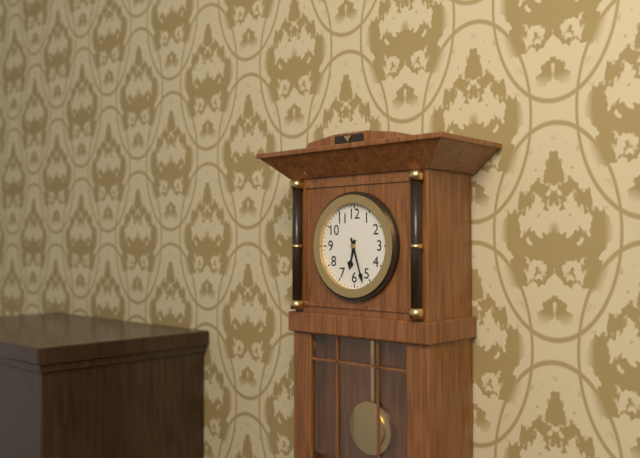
6:27
